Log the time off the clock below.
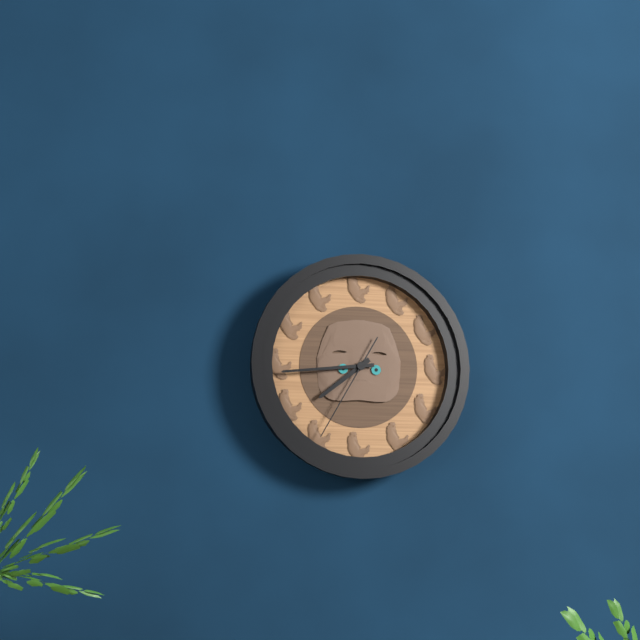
7:44:35
